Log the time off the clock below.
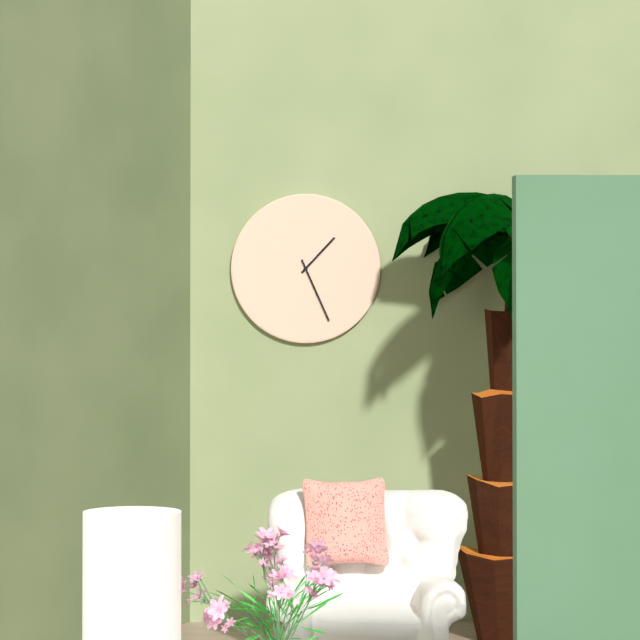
1:26
